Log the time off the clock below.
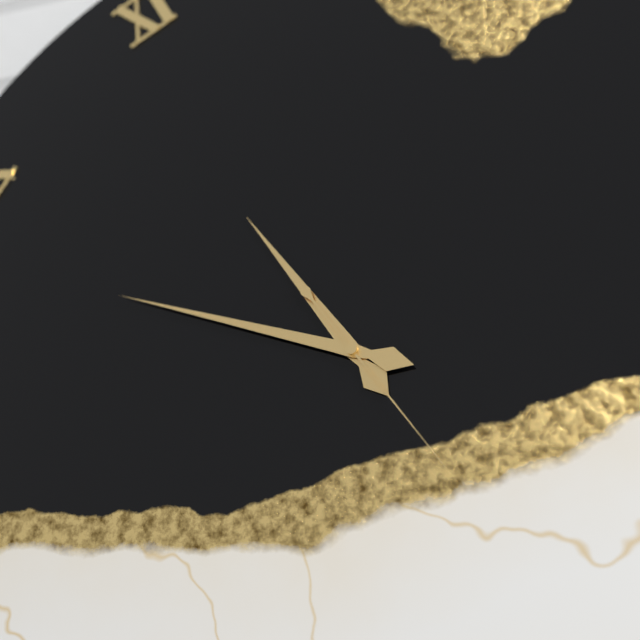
10:48:24
